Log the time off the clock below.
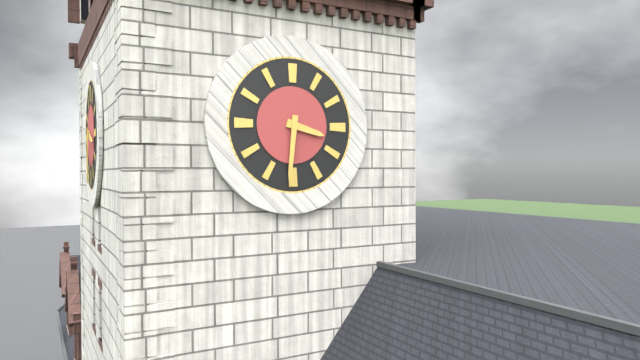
3:31
